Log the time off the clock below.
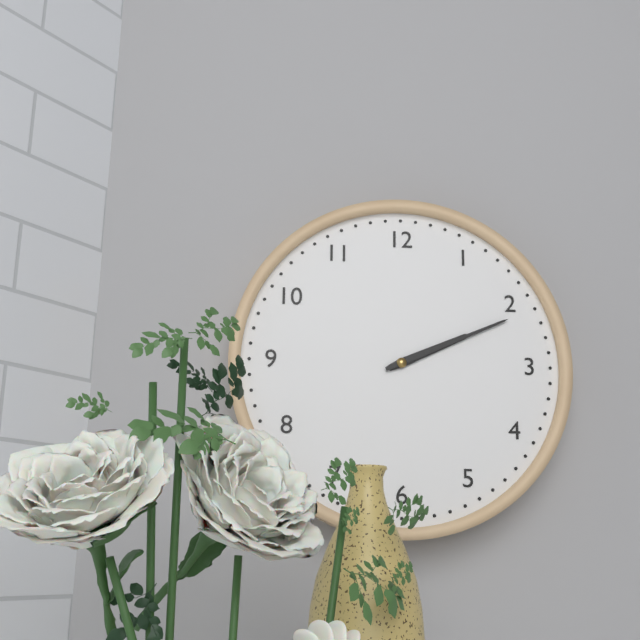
2:11
